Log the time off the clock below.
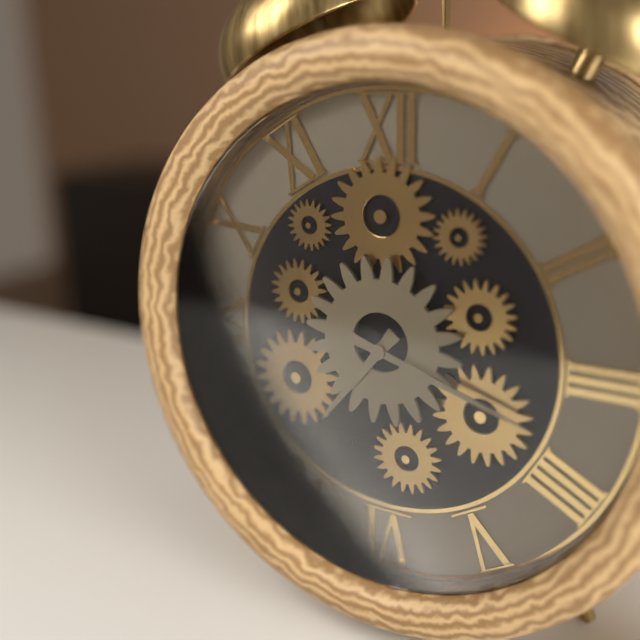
7:18
